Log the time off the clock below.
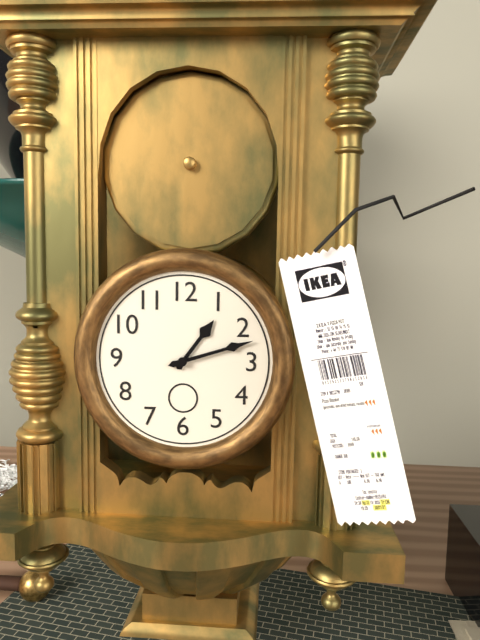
1:12
